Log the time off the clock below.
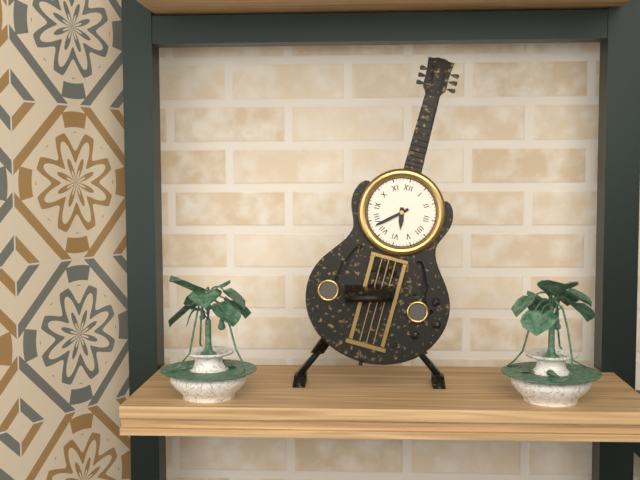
5:38
